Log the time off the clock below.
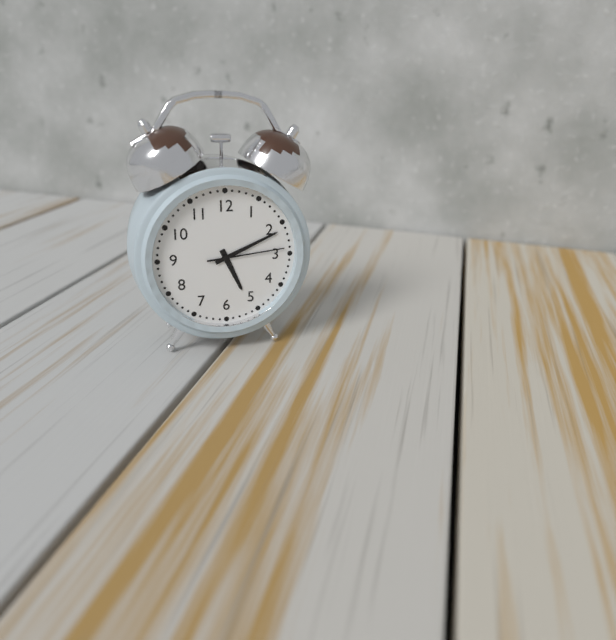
5:11:14
